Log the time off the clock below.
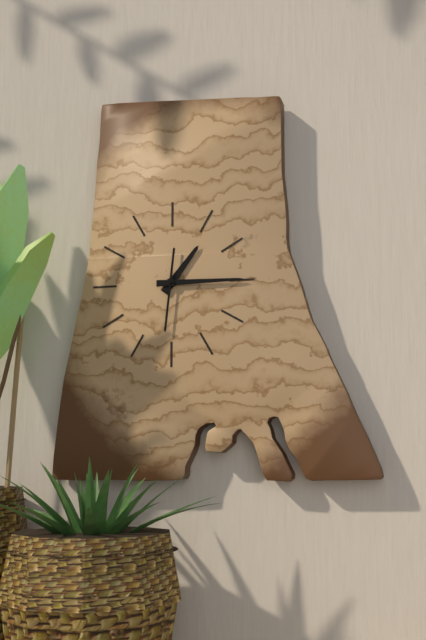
1:15:31
